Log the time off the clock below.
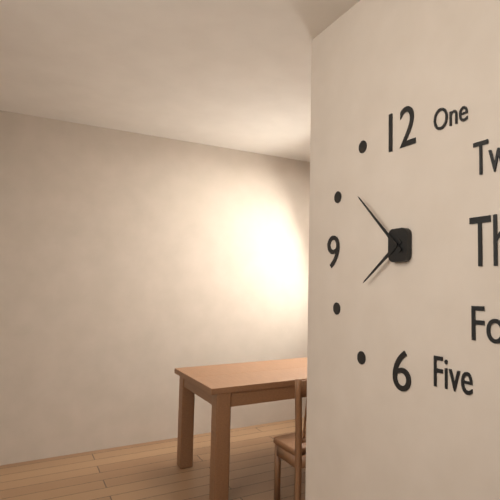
7:52
